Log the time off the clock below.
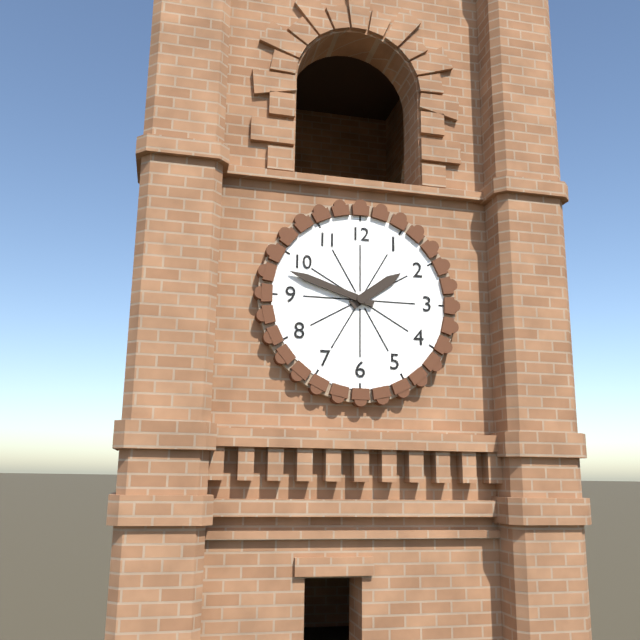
1:48
